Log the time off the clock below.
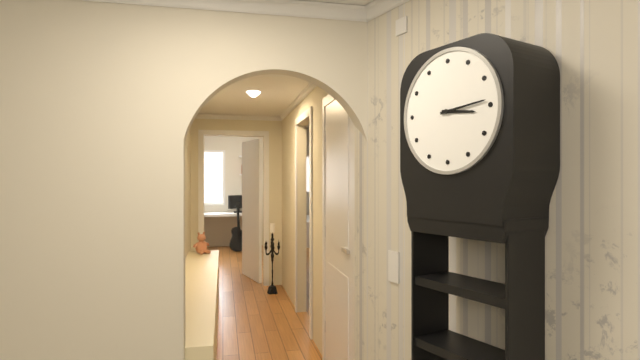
3:14
